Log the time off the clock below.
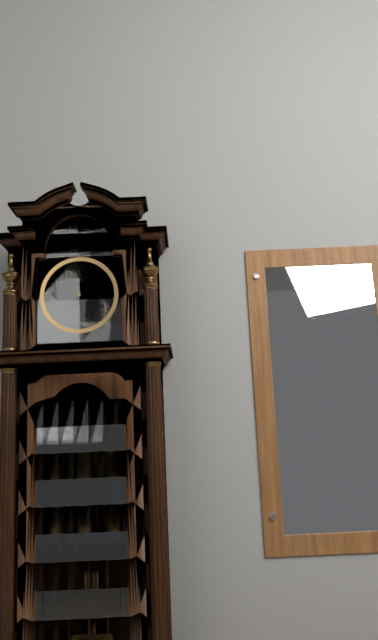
7:08
